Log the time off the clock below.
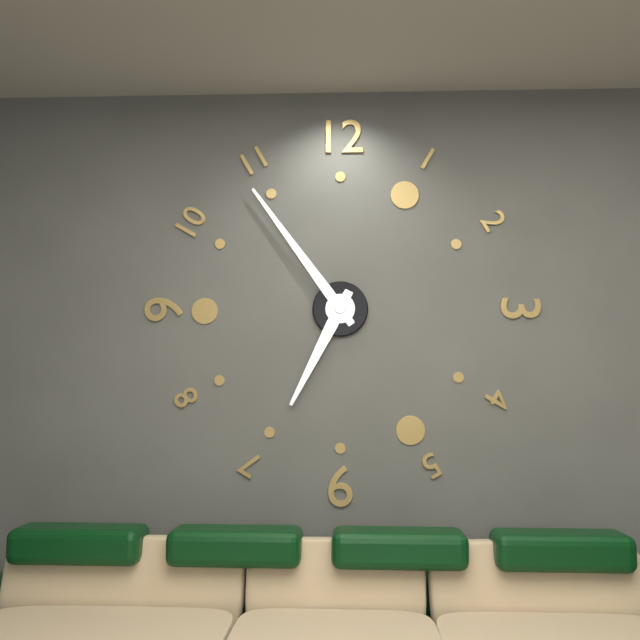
6:54
